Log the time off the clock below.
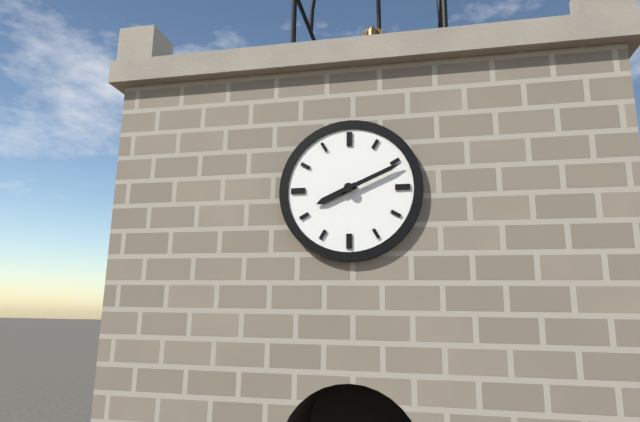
8:11
